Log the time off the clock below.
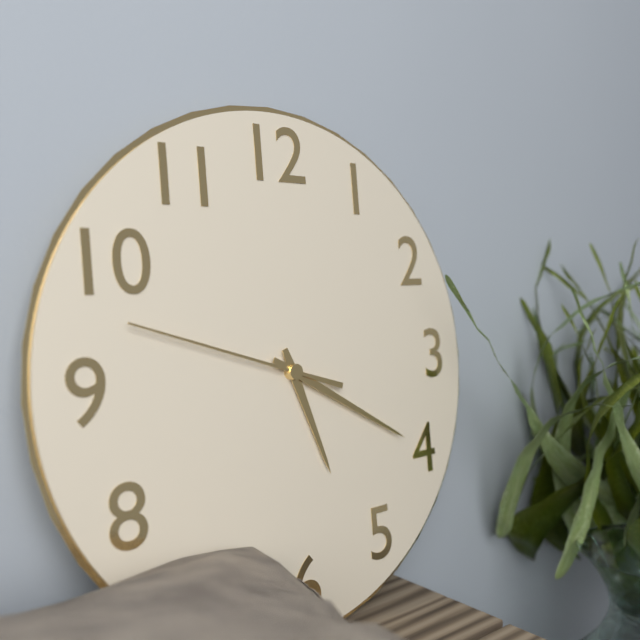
5:20:48
